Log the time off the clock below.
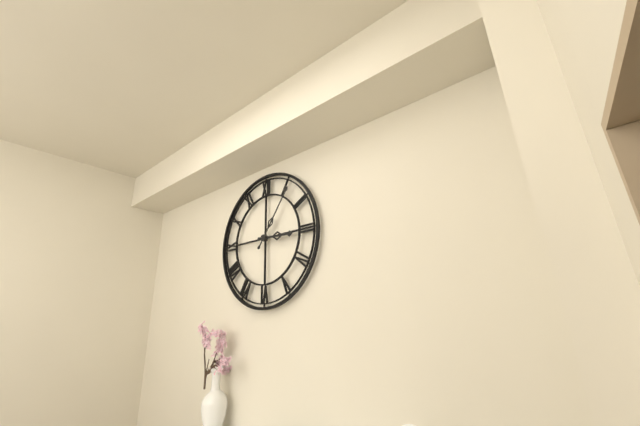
3:06
